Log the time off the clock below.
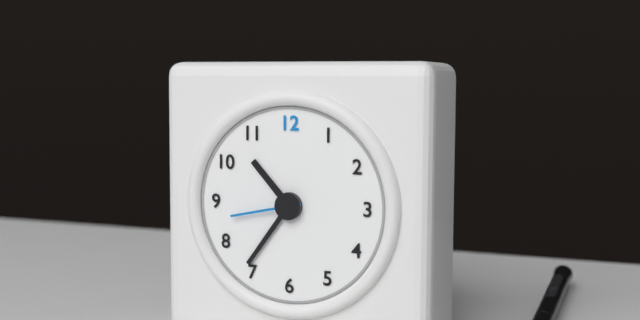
10:36:43
